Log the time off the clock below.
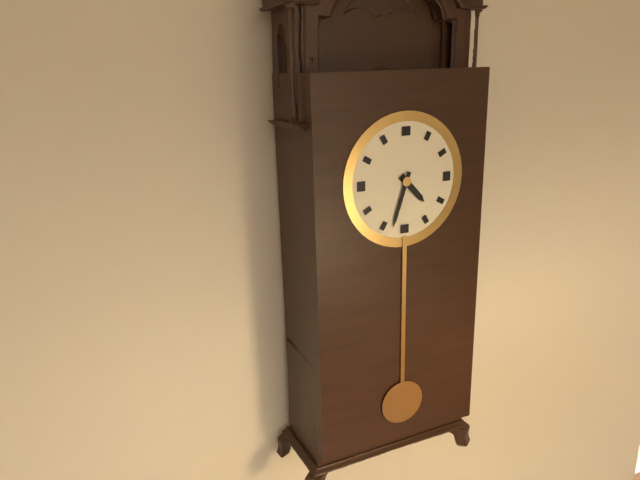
4:33
